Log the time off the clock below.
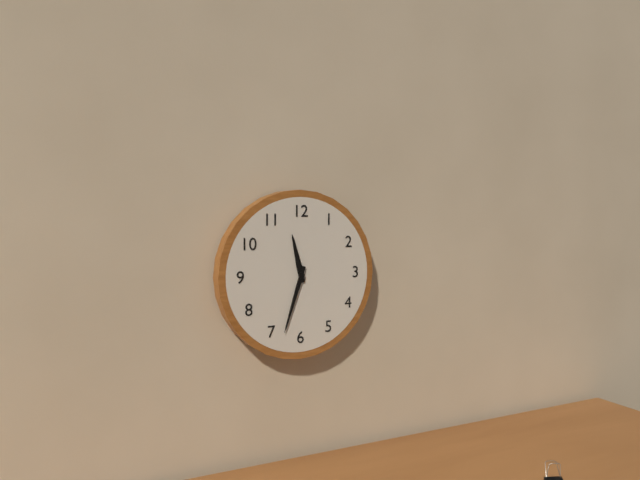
11:33
